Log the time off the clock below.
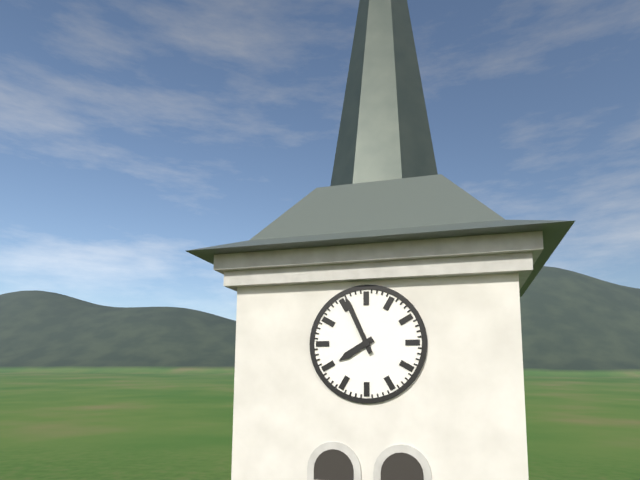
7:56
